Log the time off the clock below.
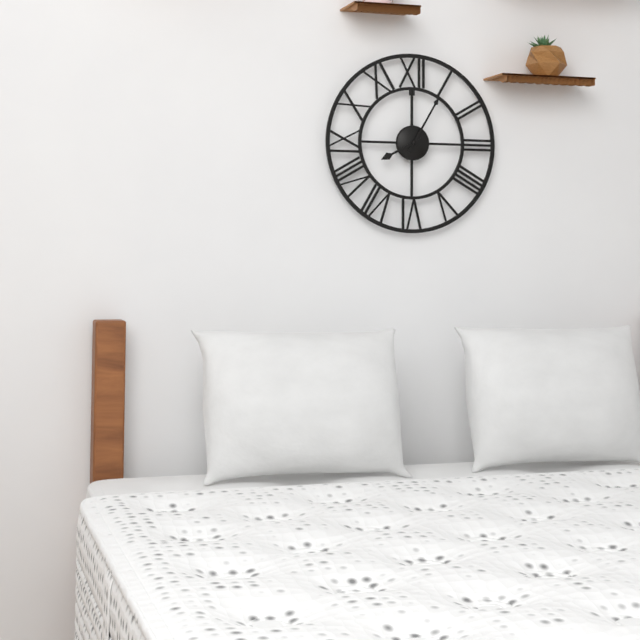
8:05
